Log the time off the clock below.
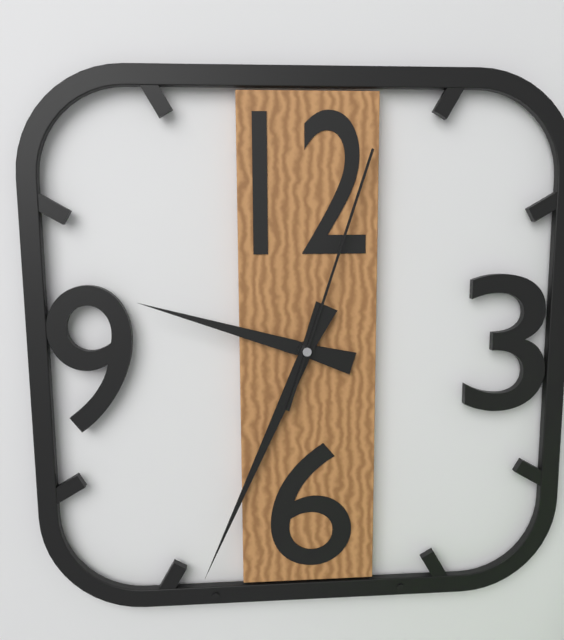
9:34:03
